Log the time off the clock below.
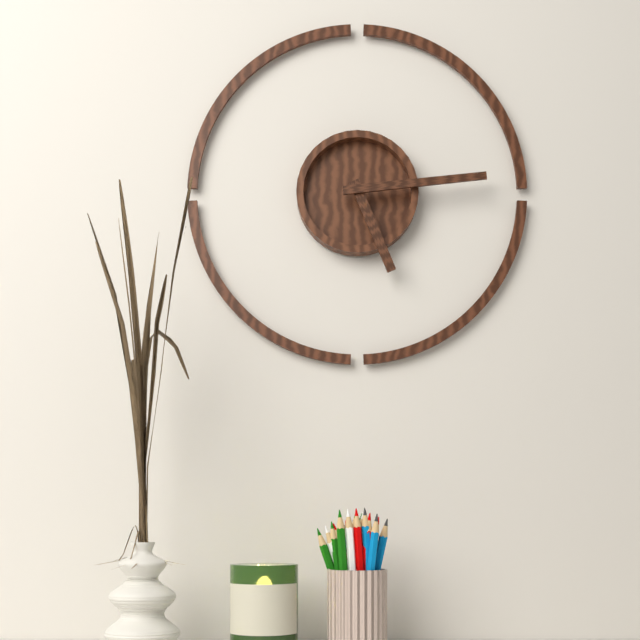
5:14
